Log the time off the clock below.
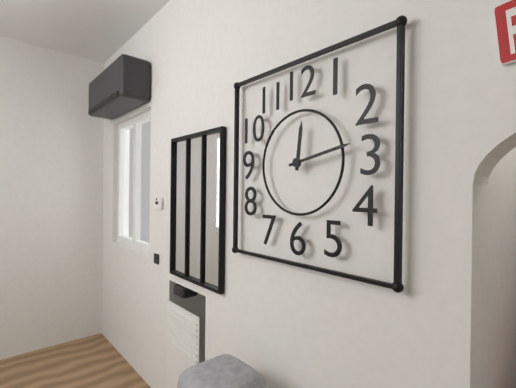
12:13
